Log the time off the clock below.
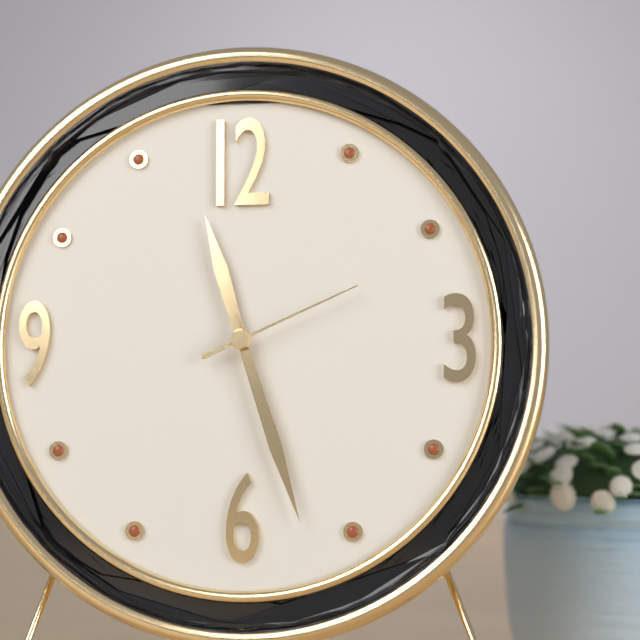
11:27:11
